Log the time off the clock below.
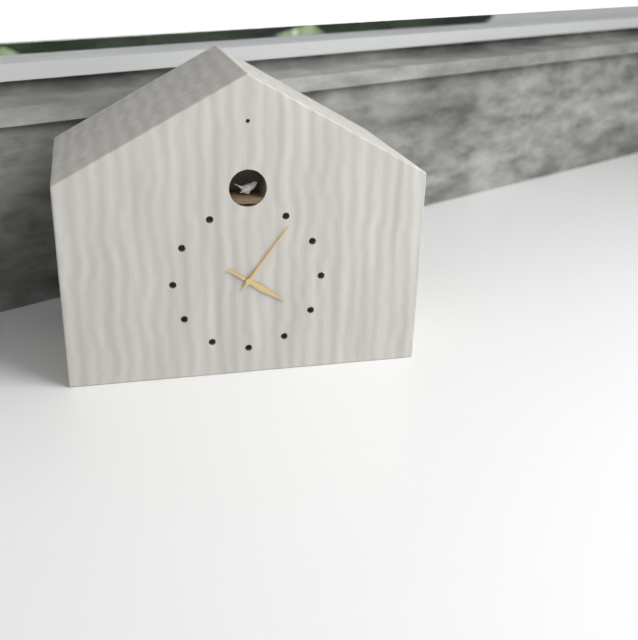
4:06
